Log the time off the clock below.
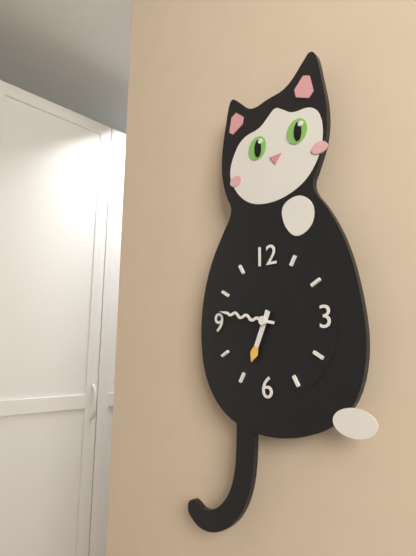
6:47
